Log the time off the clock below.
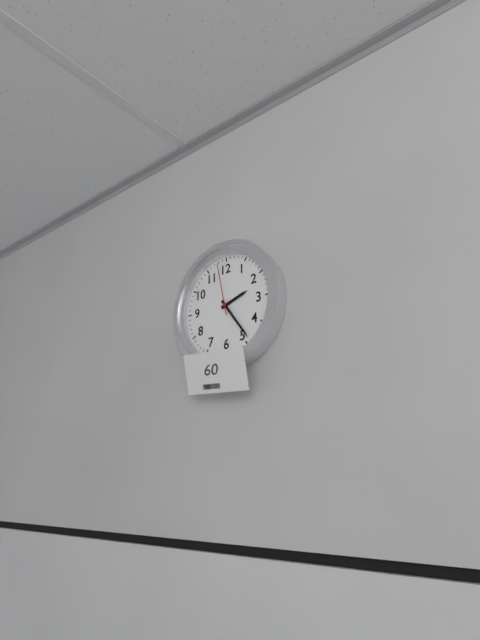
2:24:58
